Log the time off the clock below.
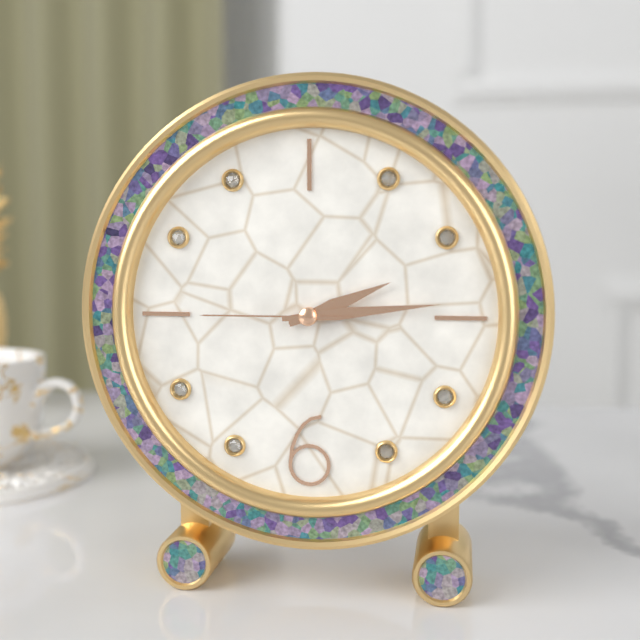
2:14:45
